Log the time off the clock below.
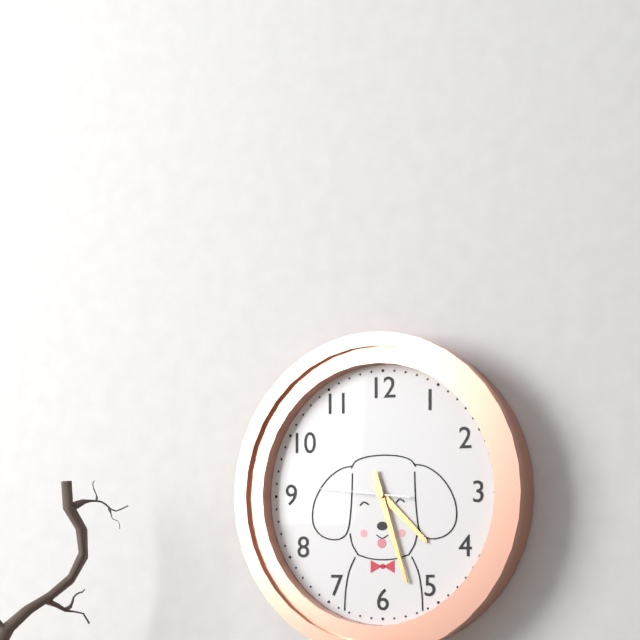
4:27:46
